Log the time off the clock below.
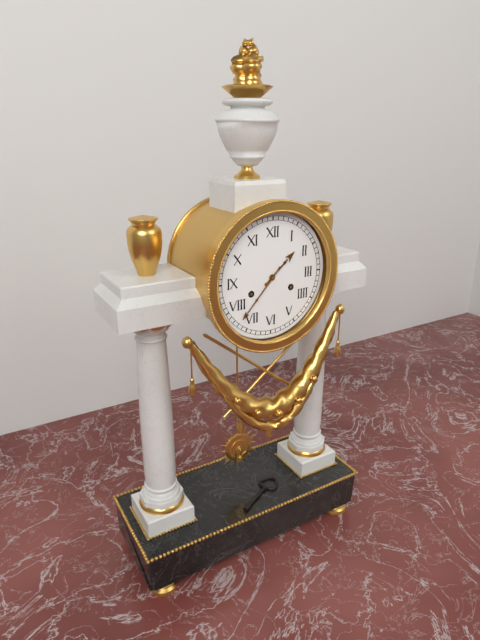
1:37
